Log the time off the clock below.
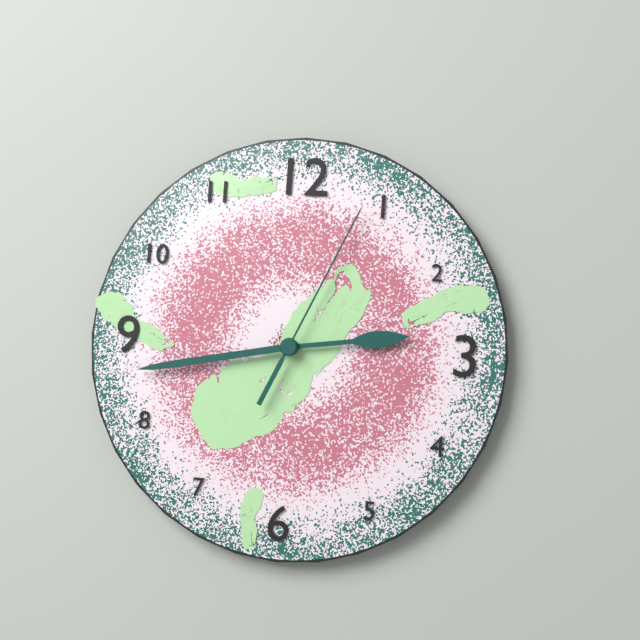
2:43:04
